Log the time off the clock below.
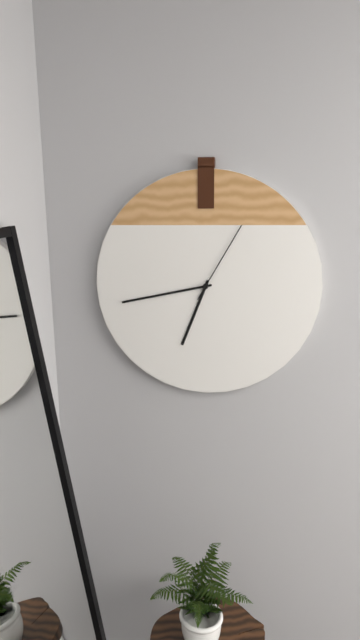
6:43:05
